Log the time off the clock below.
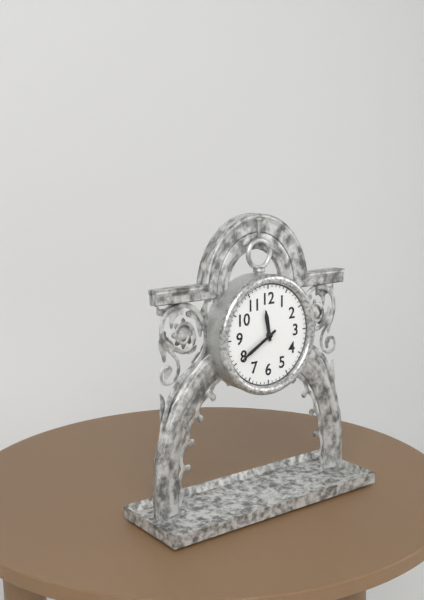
11:40
